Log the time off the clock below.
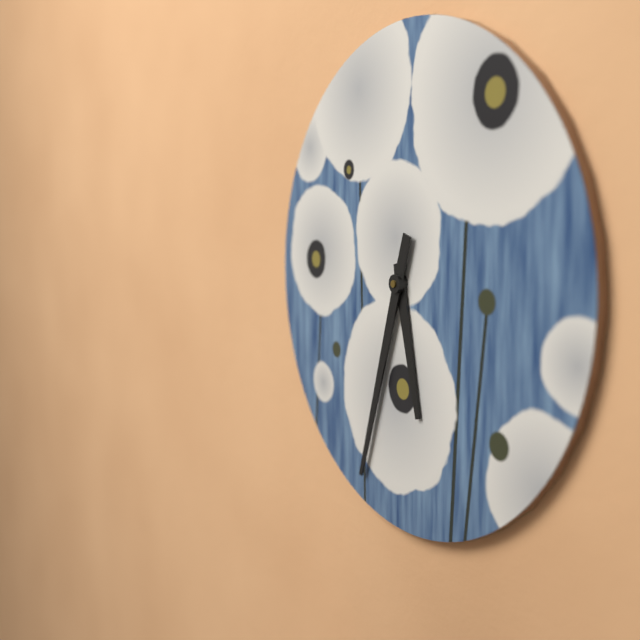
5:33
